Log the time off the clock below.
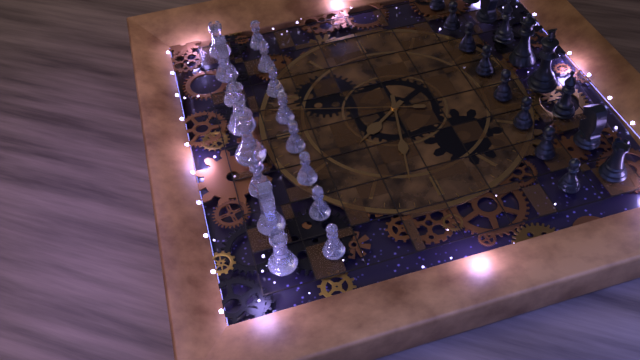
10:47:03
